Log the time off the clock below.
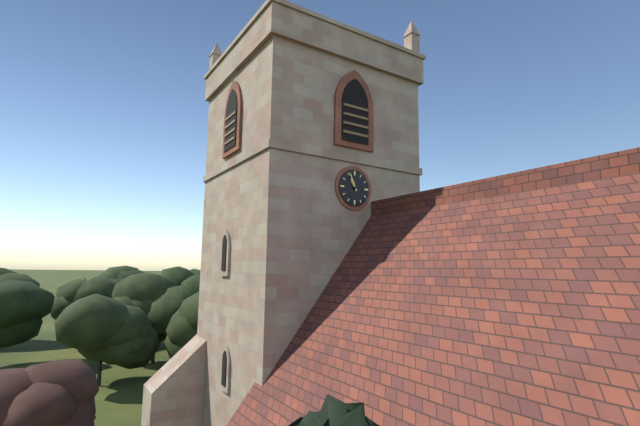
10:56
